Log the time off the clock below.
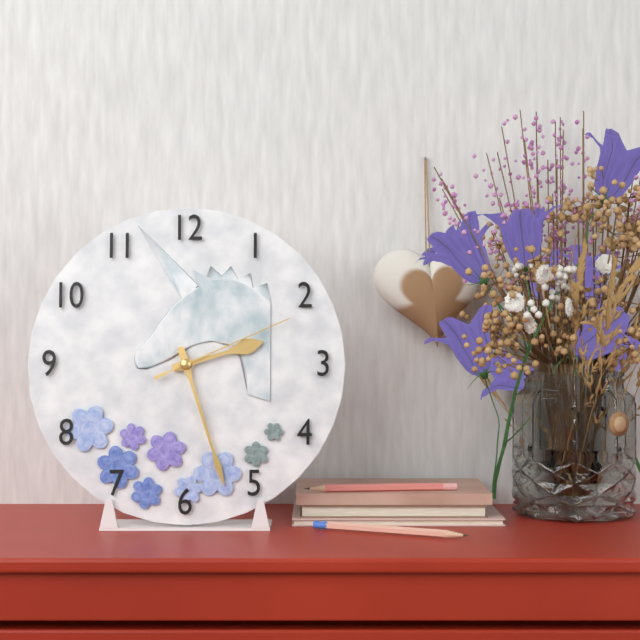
2:27:11
